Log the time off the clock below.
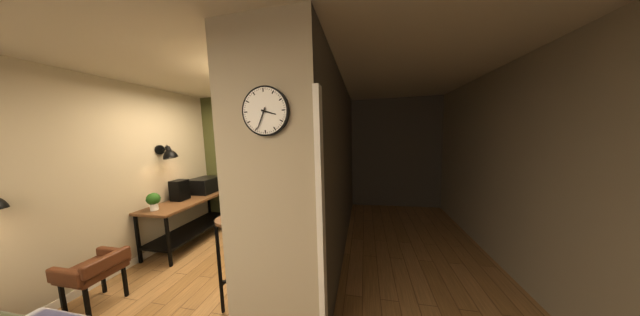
3:34
